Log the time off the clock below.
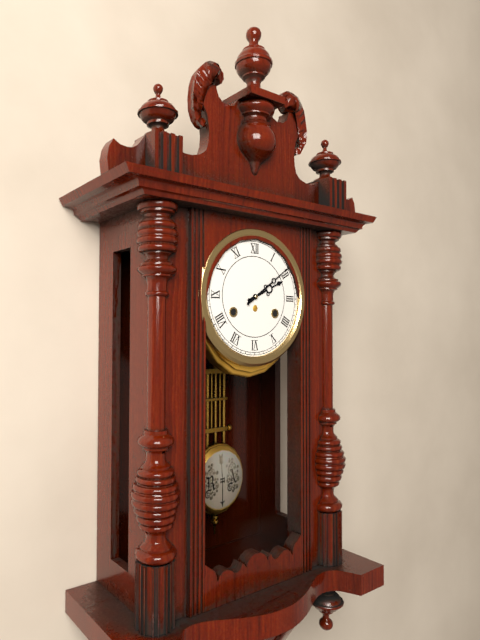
2:09
